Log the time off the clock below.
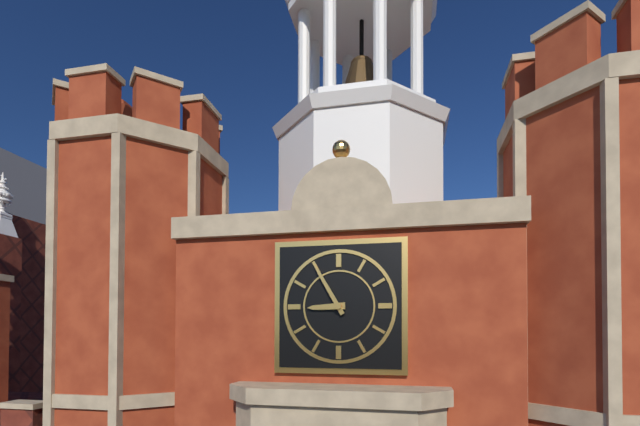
8:55
